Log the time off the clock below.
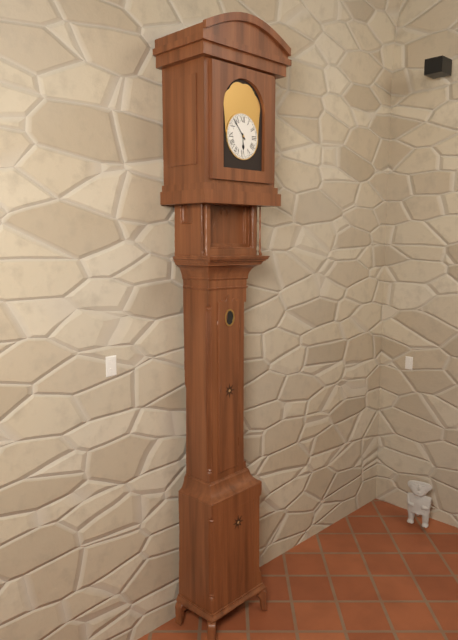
5:53
